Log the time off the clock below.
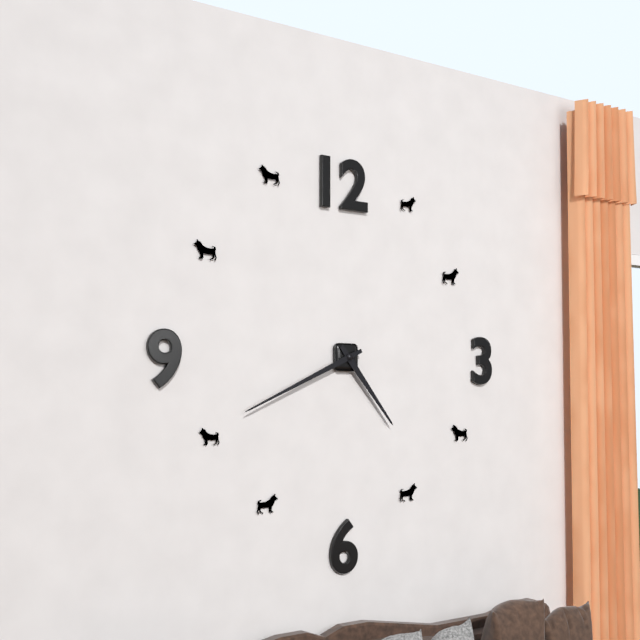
4:41
